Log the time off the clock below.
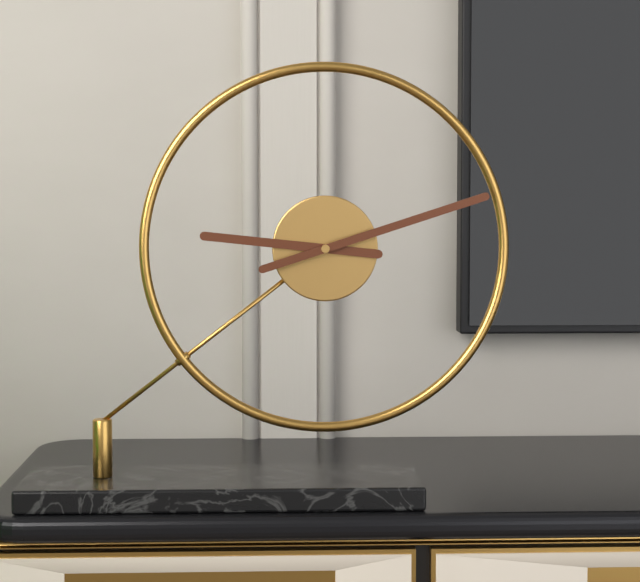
9:12
